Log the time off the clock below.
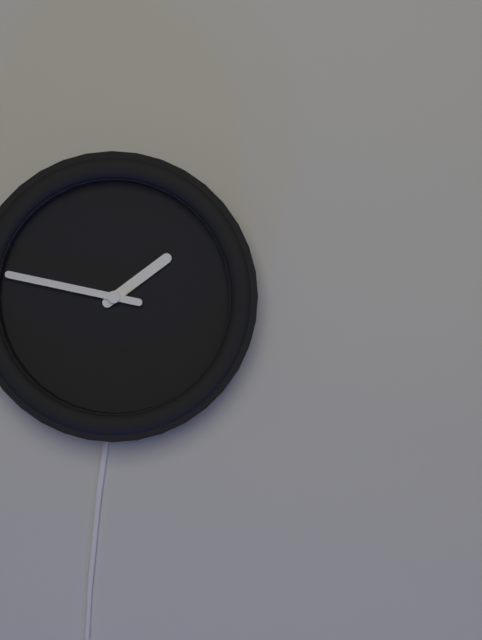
1:47
